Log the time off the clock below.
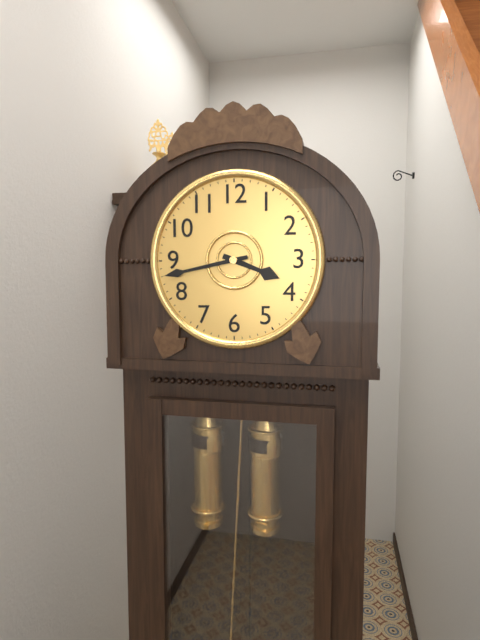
3:43
